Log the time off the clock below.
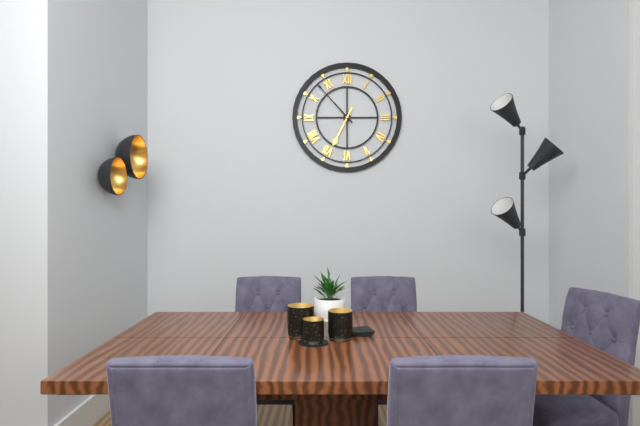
6:53
